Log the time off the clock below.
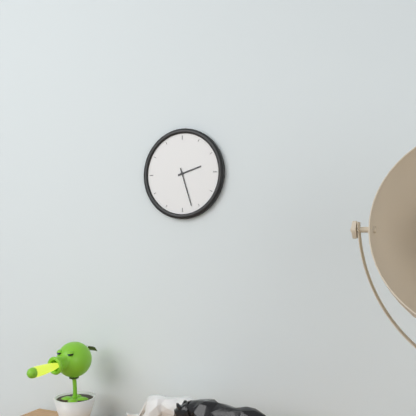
2:27
